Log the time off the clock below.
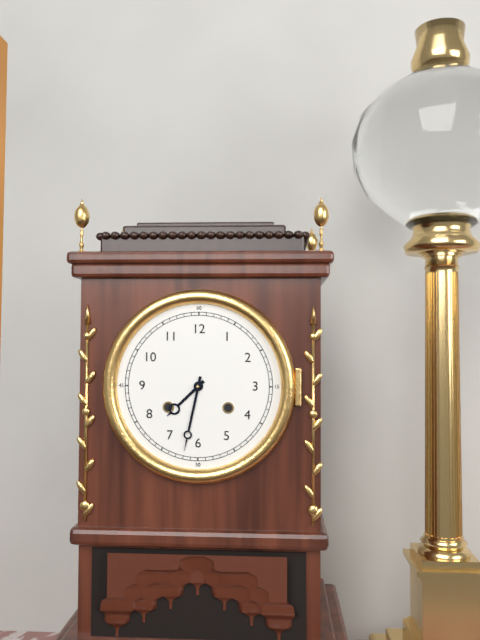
7:32
